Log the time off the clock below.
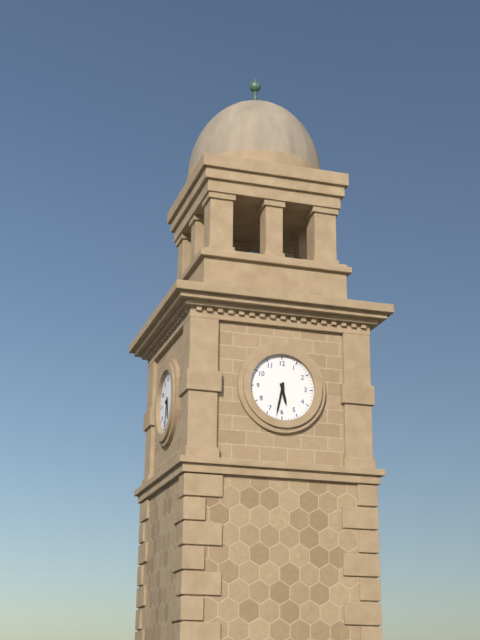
5:32
